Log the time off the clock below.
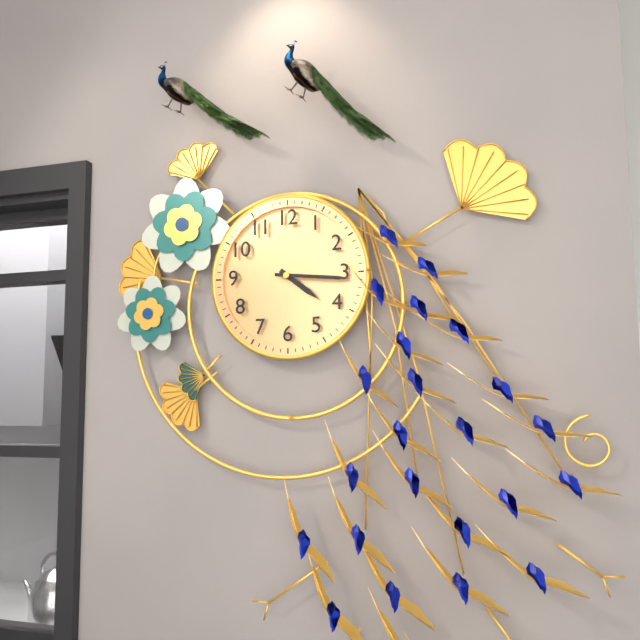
4:16
